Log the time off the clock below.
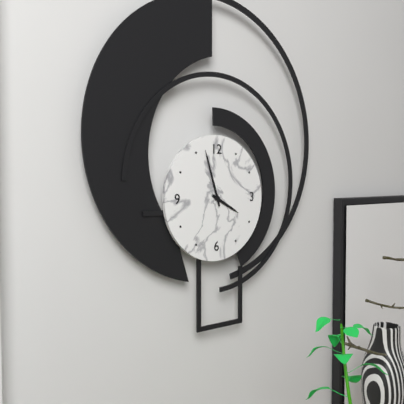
3:57
